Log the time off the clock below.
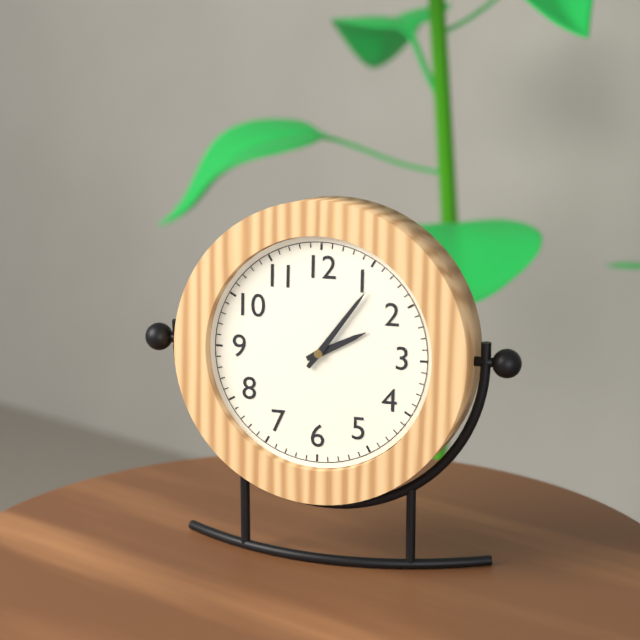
2:06
